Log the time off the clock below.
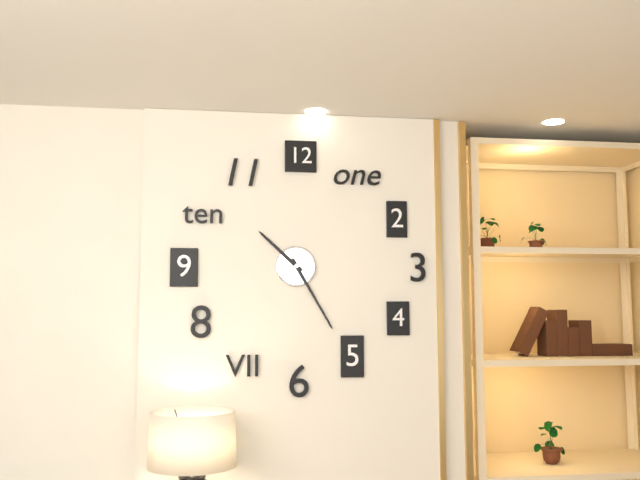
10:25
